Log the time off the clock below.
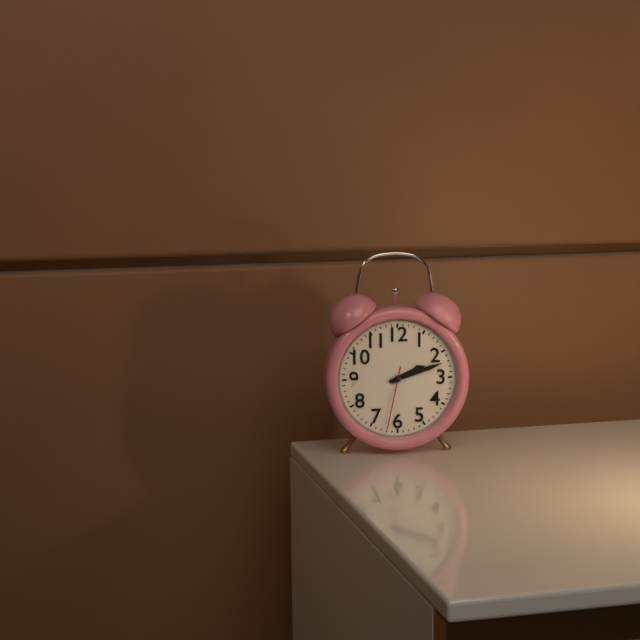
2:12:32
